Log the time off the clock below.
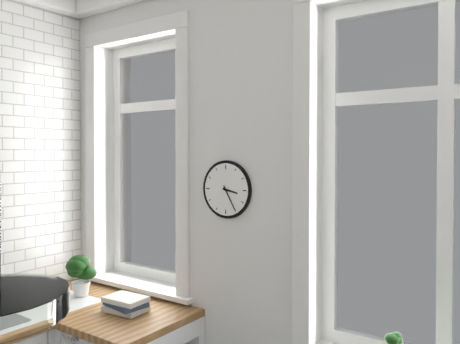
3:25
